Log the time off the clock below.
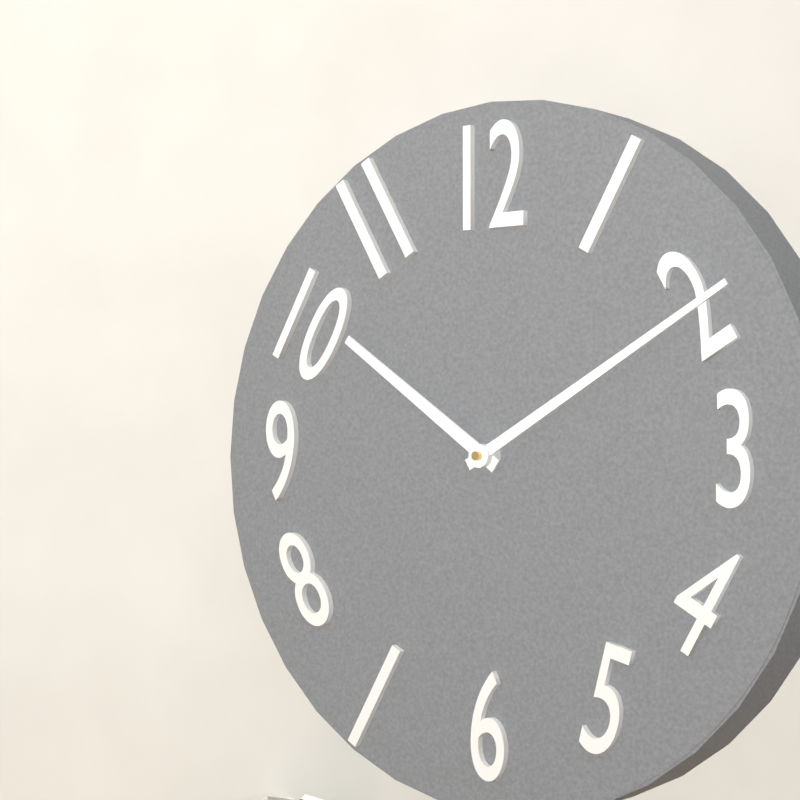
10:10
